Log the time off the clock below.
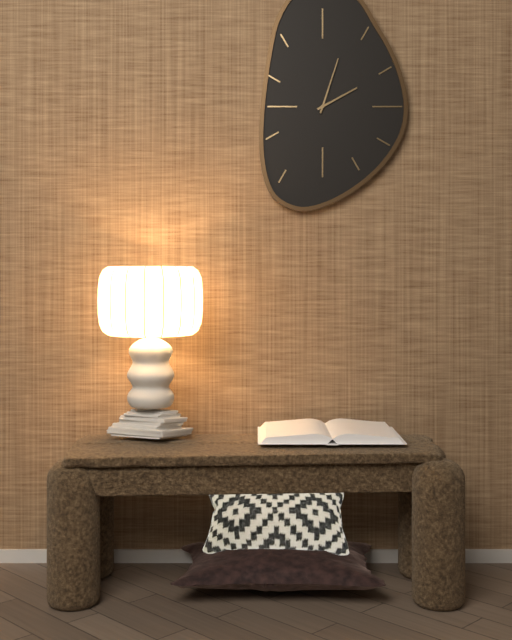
2:03
